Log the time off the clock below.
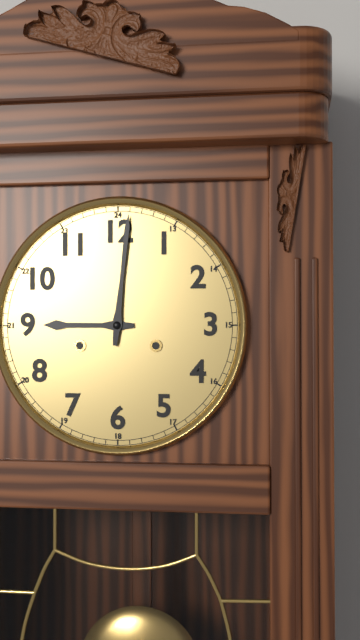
9:01
